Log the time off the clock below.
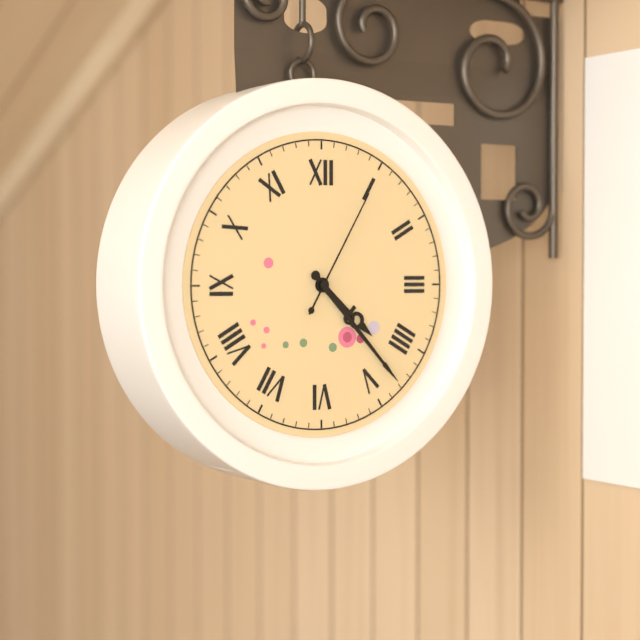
4:23:05
